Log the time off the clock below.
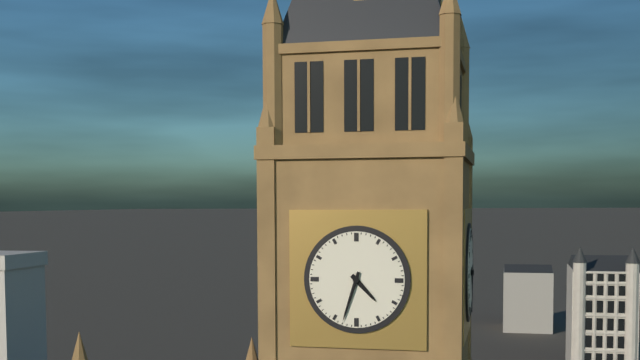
4:33
